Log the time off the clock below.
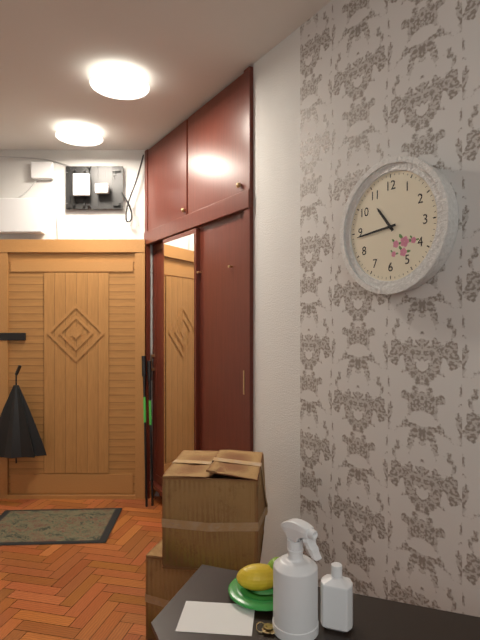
10:44
